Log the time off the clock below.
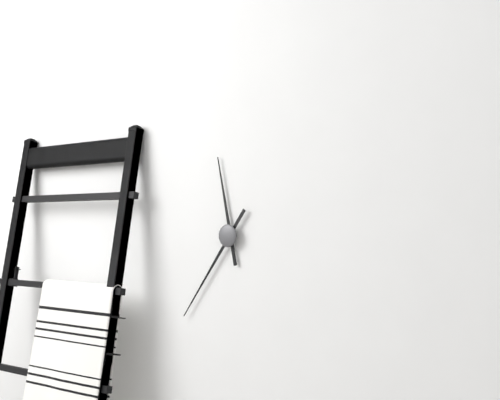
11:36
